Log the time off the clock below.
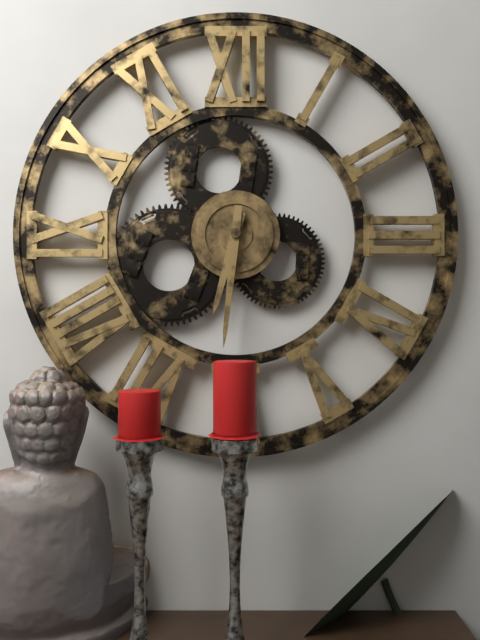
6:31
